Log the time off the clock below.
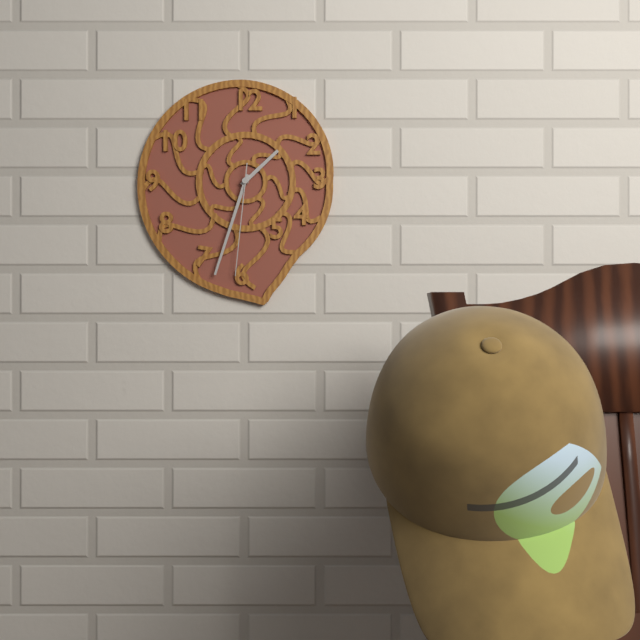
1:33:31
